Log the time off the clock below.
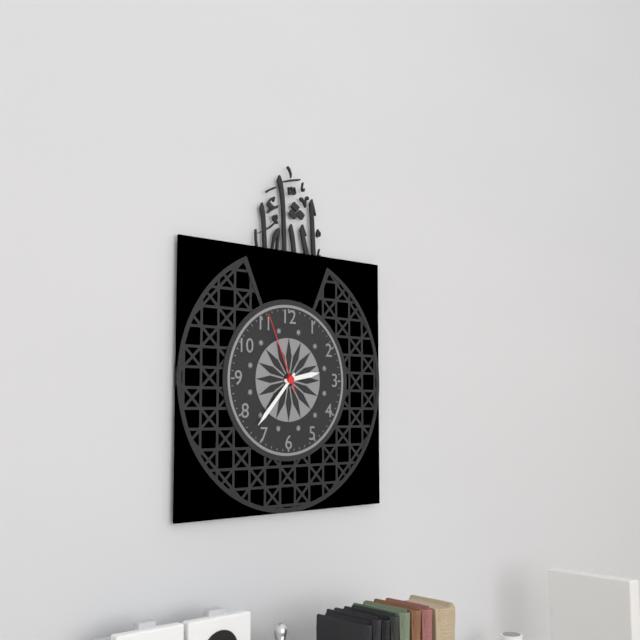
2:37:56
